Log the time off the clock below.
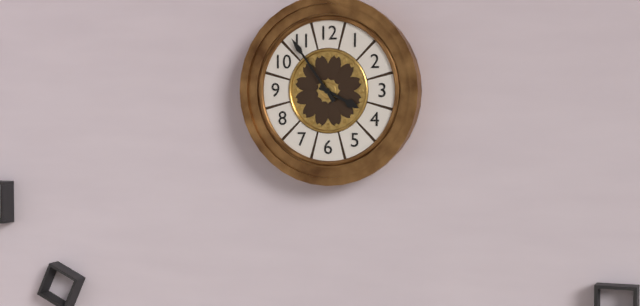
3:54
